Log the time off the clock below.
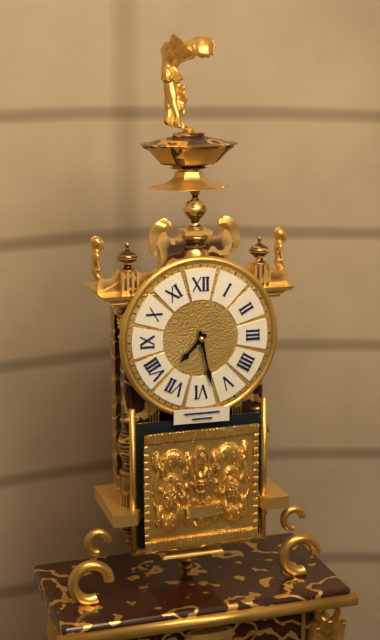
7:28
